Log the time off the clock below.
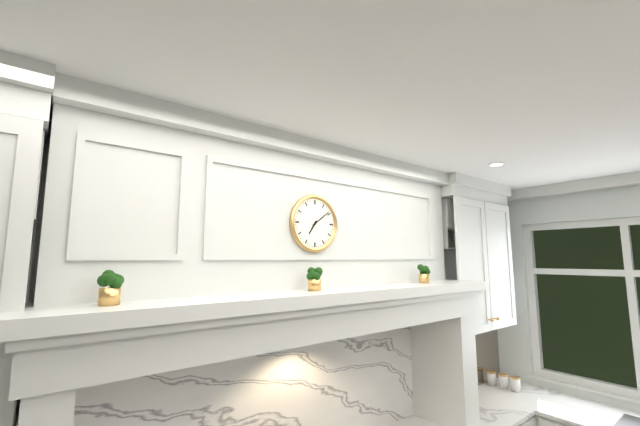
7:09
